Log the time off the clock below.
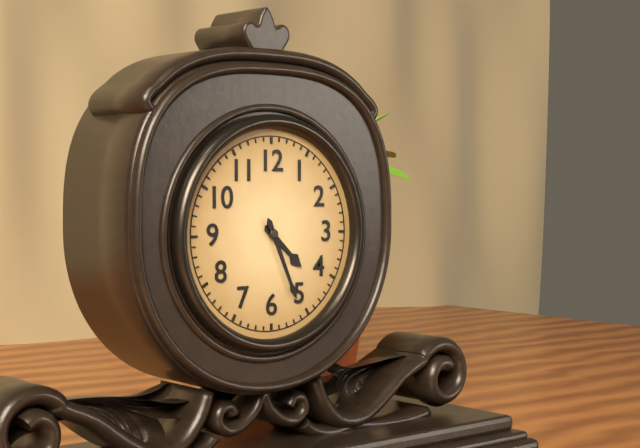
4:26
